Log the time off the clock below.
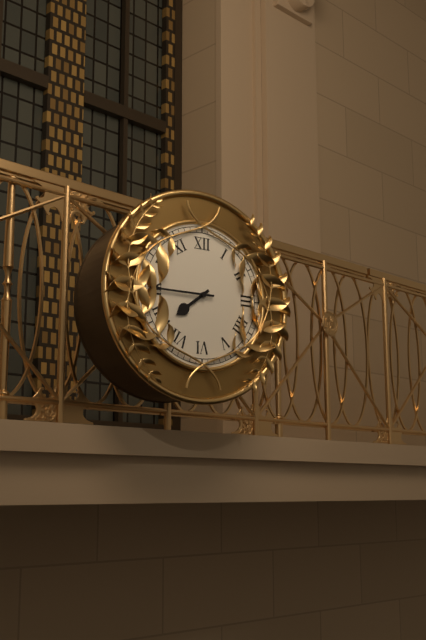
7:45
